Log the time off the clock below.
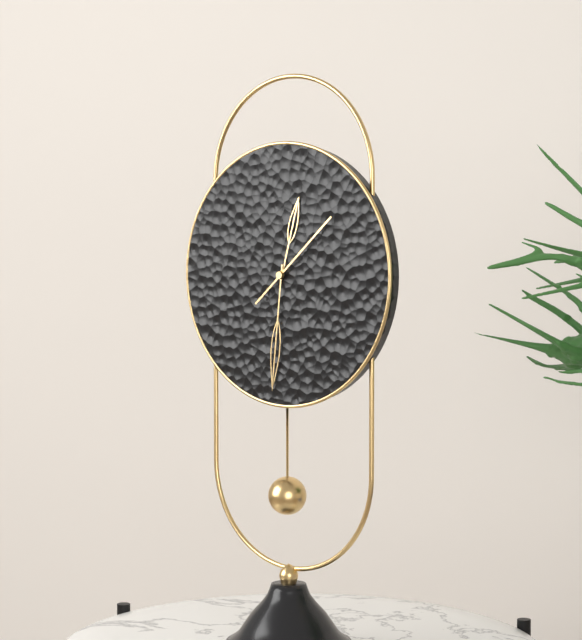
12:31:08
